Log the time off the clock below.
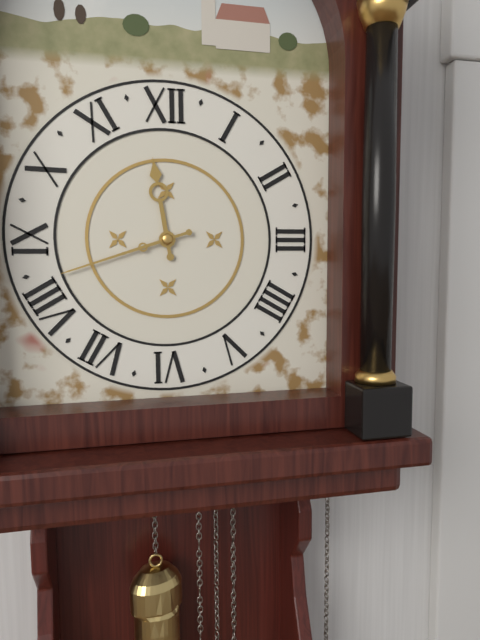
11:42
